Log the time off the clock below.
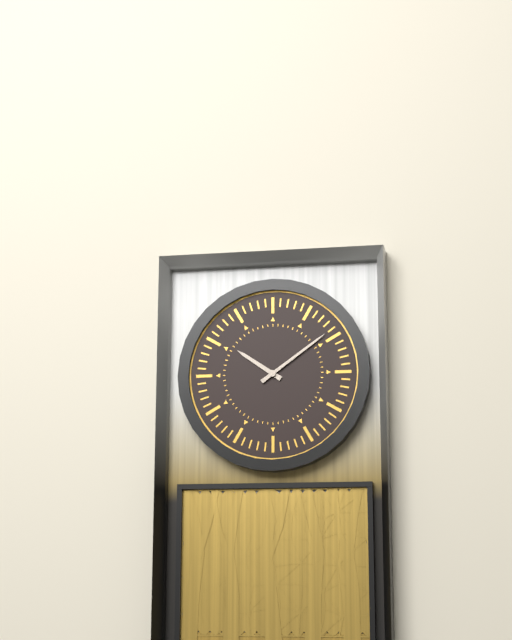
10:09
